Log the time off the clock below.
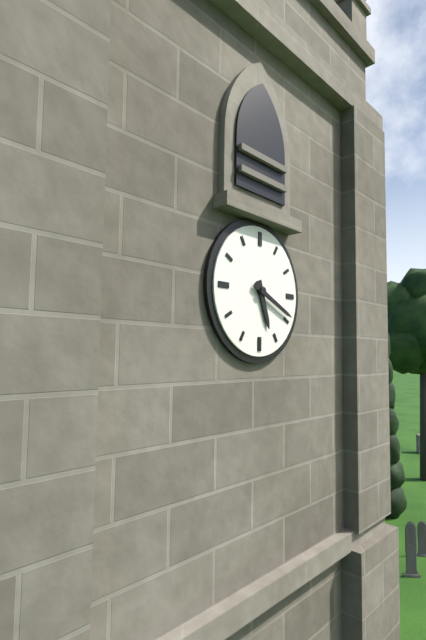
5:19
